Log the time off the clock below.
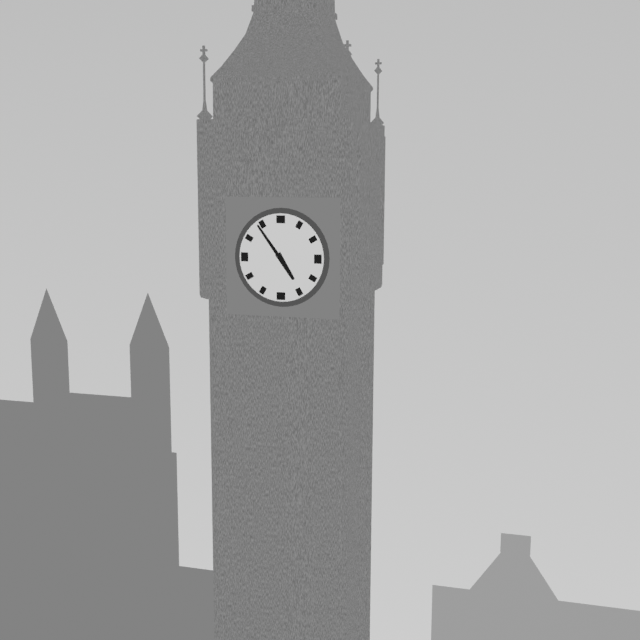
4:54
